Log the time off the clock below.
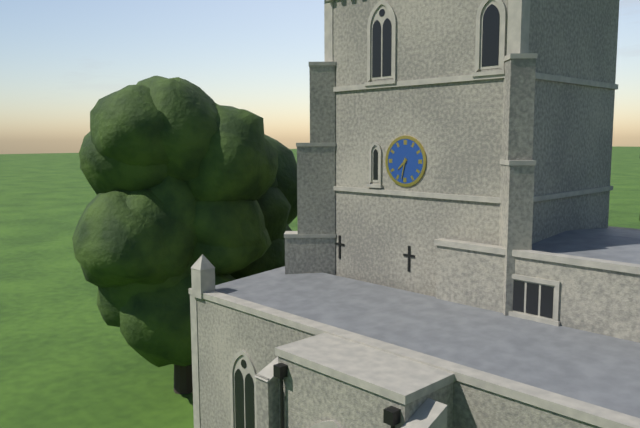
7:32
